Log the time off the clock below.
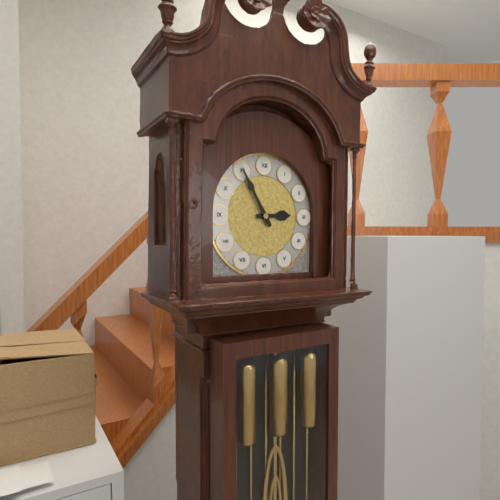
2:55
